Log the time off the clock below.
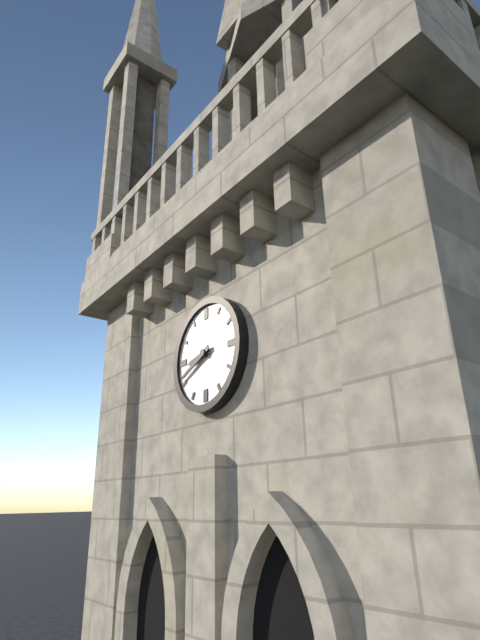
8:41
